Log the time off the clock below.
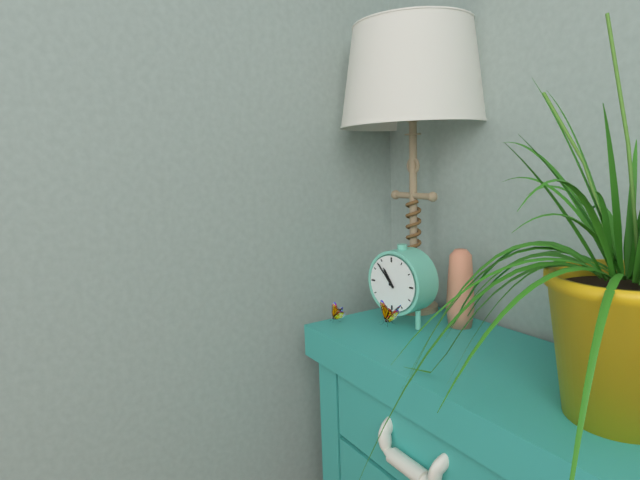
10:53
